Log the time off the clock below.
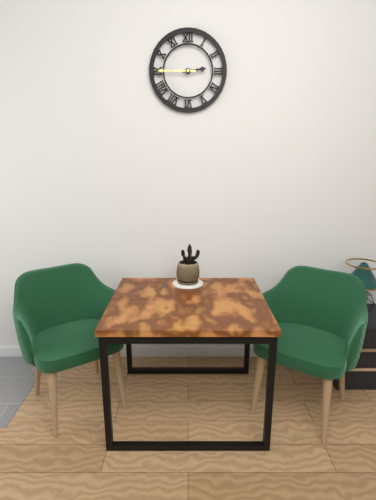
2:45
